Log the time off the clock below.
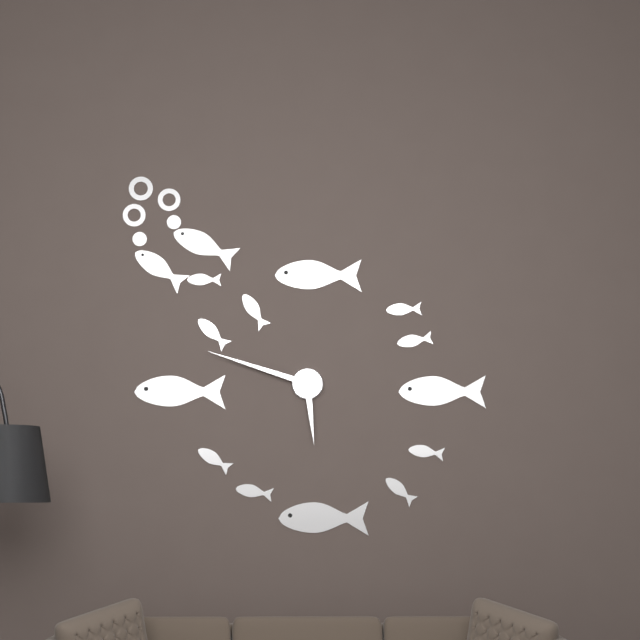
5:48
